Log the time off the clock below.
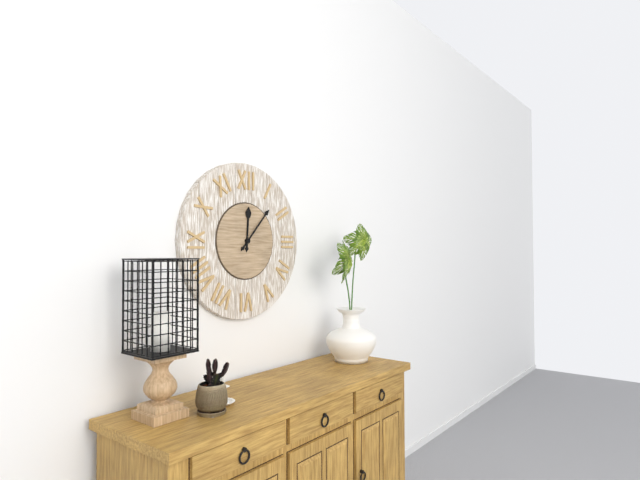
12:07
